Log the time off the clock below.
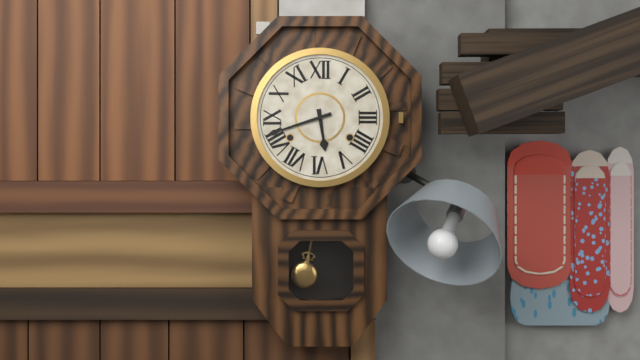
5:42
